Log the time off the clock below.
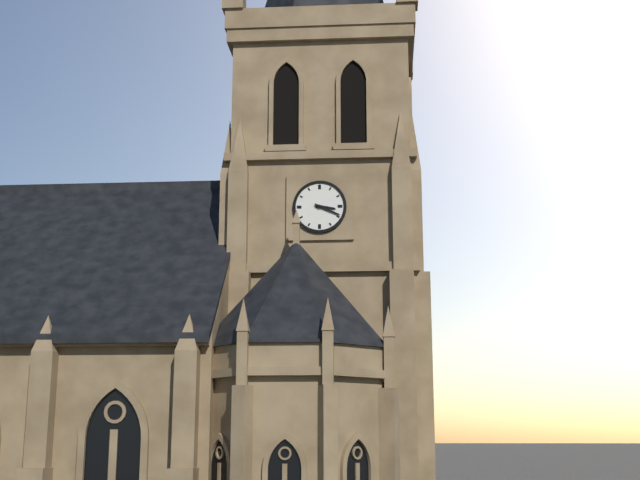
3:19
